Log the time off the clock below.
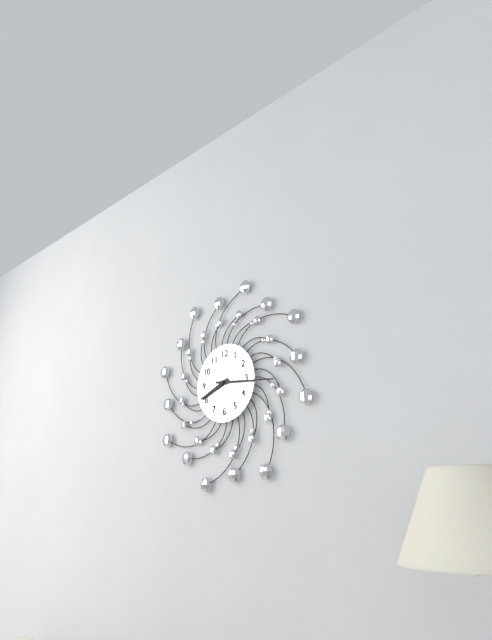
8:16
